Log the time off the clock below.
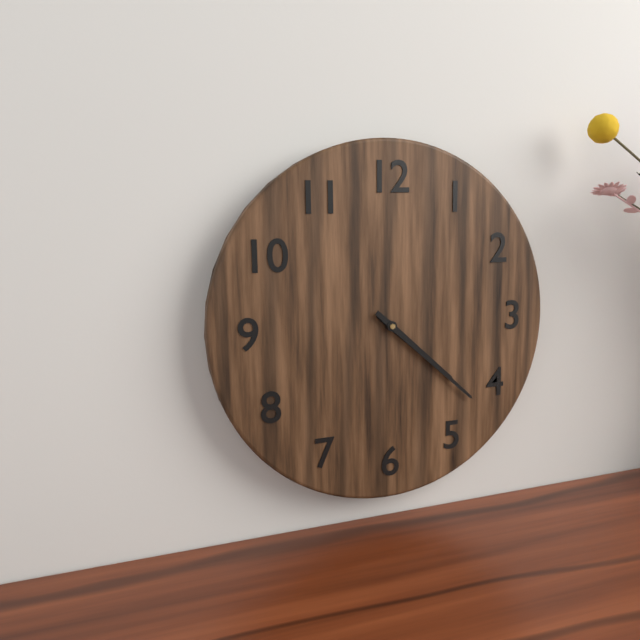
4:22
